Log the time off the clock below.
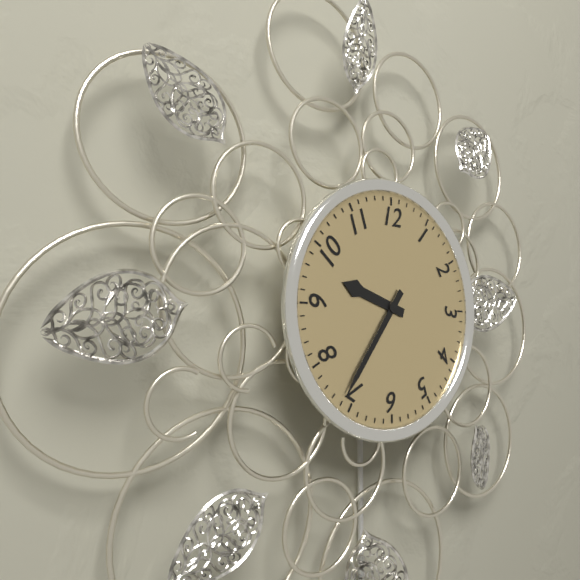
9:36
